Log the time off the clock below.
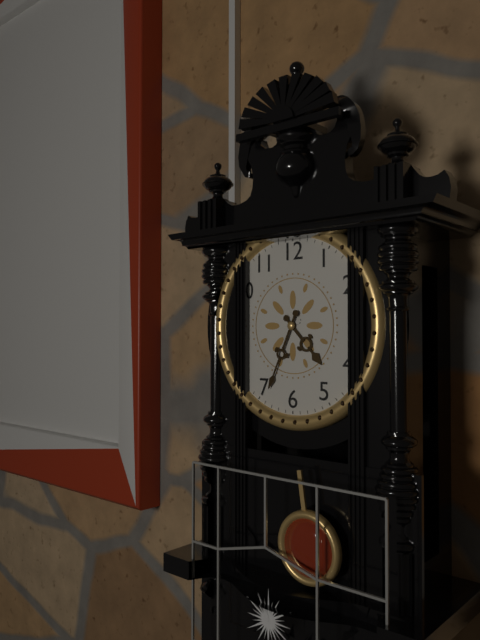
4:34
